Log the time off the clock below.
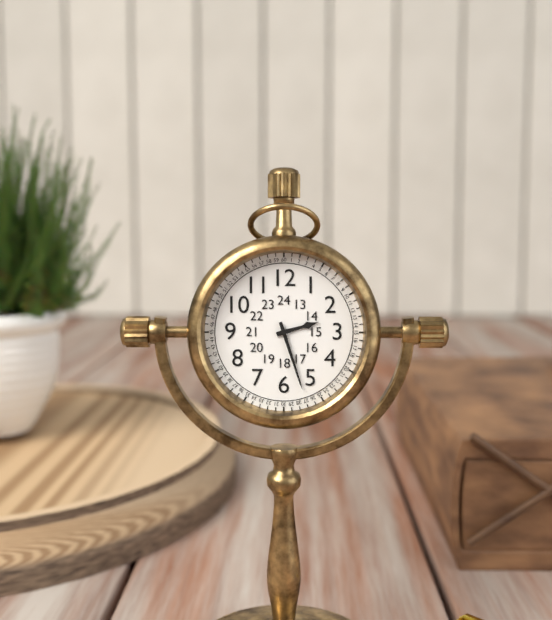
2:27
